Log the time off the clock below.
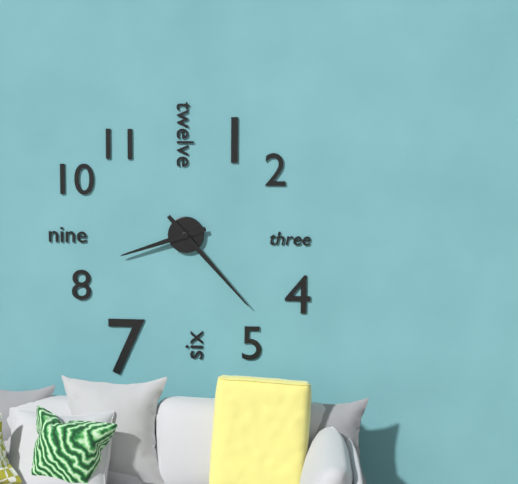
8:23
